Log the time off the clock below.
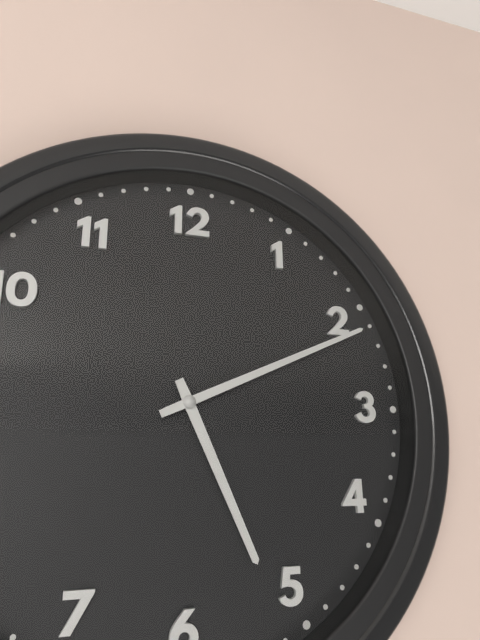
5:11
